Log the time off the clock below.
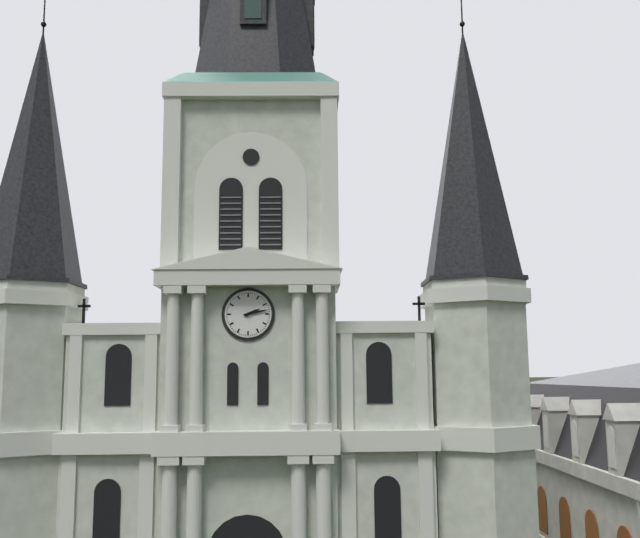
2:13
